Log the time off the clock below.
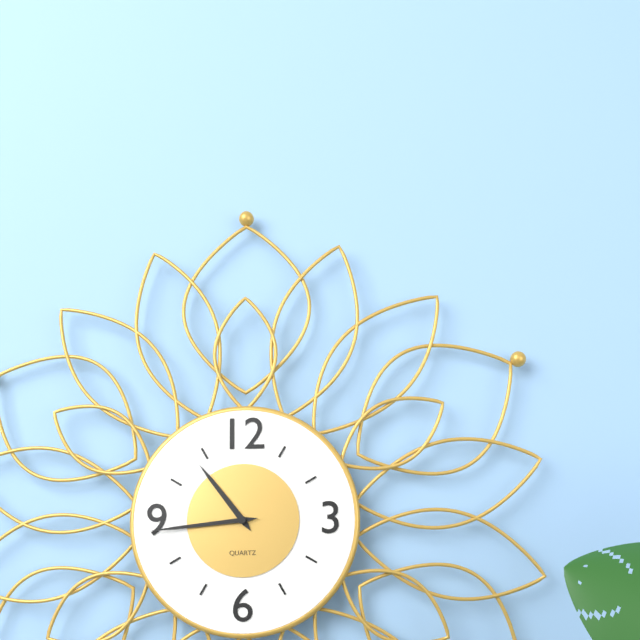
10:44
